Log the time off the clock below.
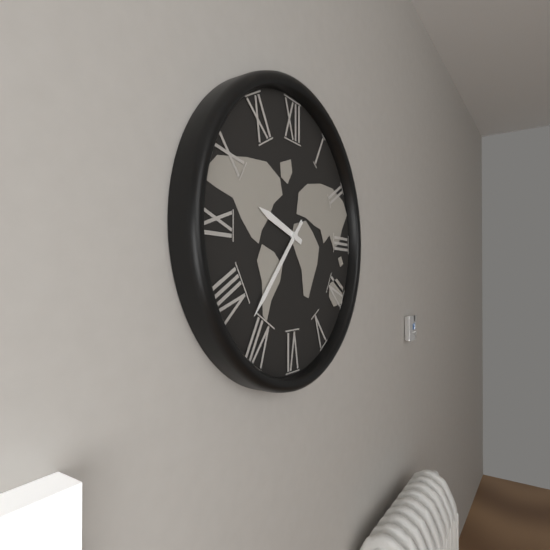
9:37
